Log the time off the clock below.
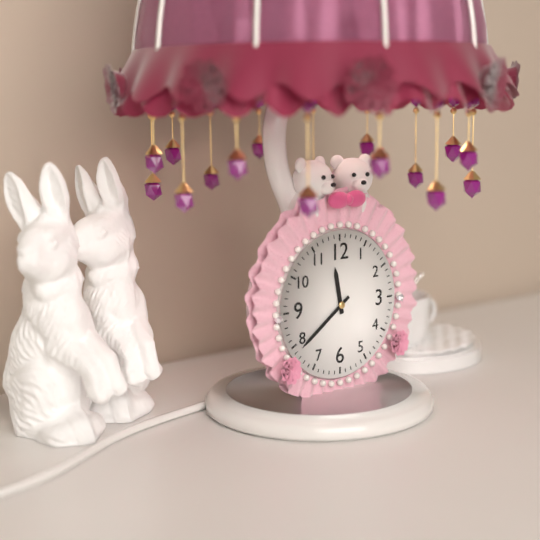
11:39
